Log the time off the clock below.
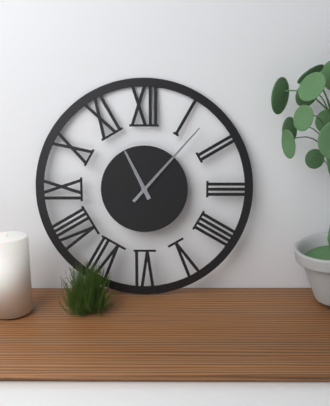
11:07
